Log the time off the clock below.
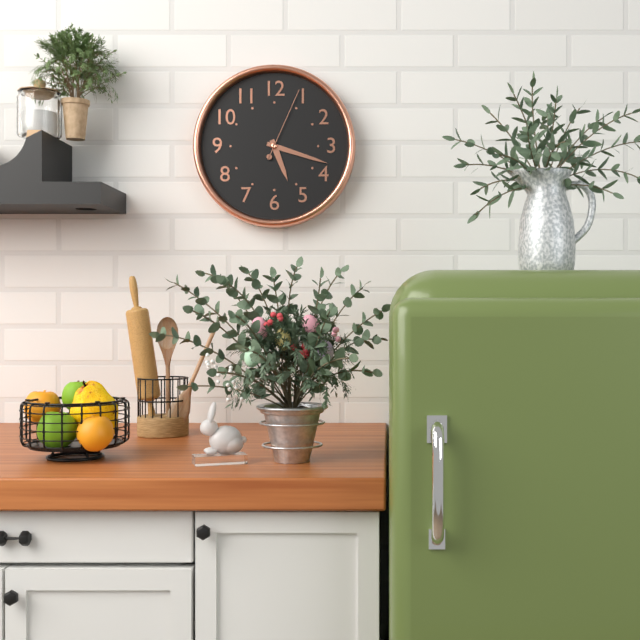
5:18:04
